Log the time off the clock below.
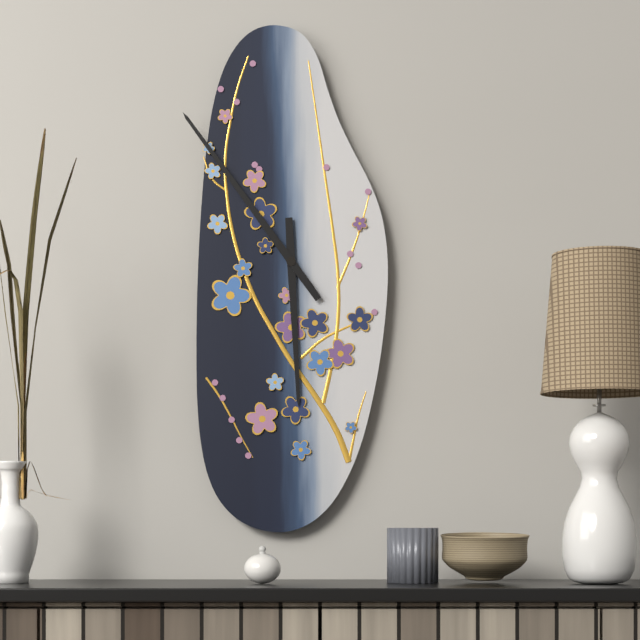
5:54
